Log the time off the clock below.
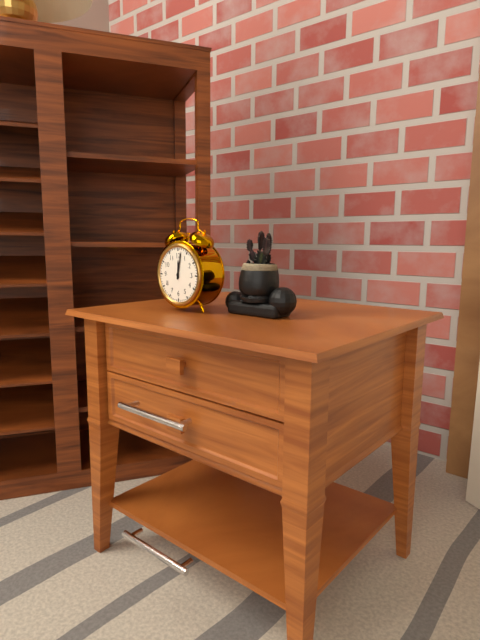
12:02
